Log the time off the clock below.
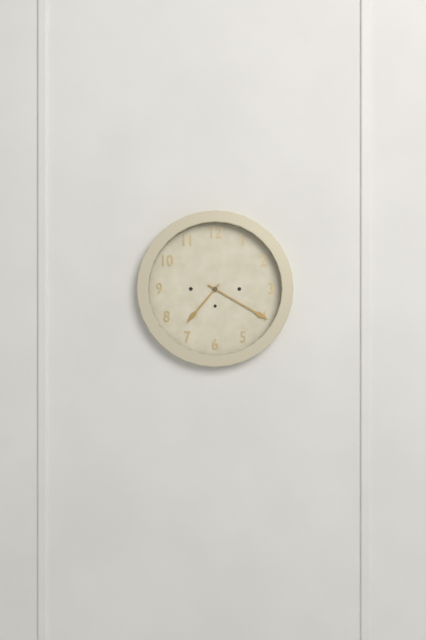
7:20
